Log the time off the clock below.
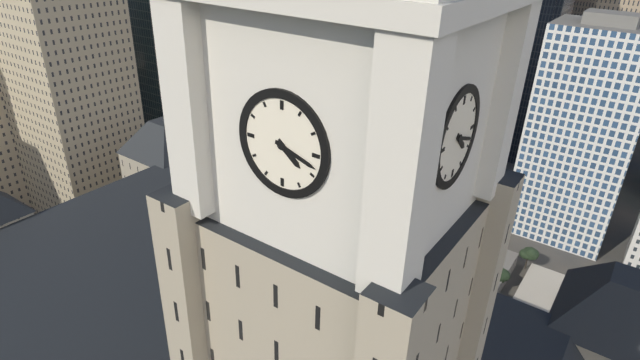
4:18
